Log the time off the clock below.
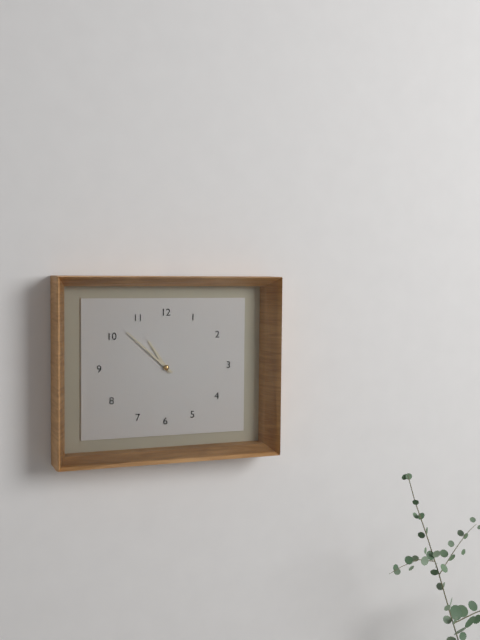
10:52
